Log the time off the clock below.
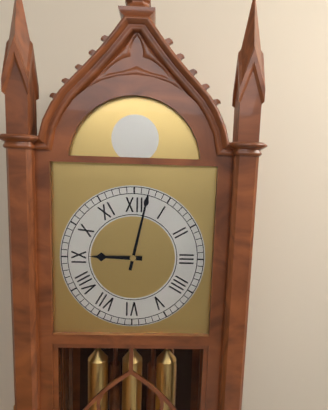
9:02
